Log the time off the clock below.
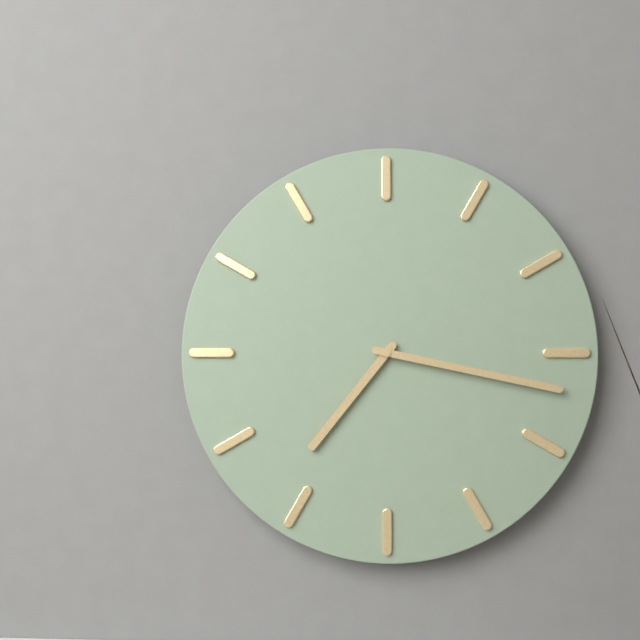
7:17
